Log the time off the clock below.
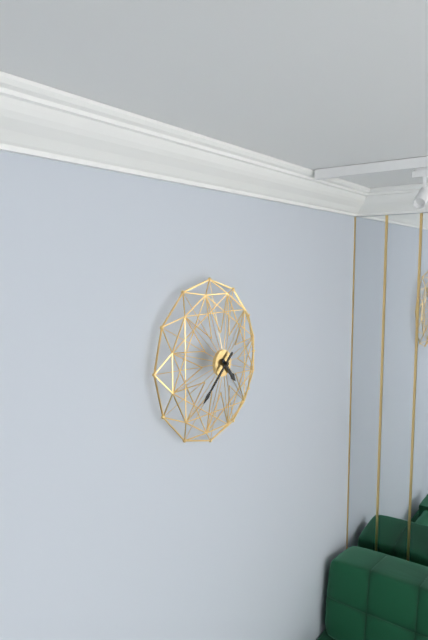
4:38
